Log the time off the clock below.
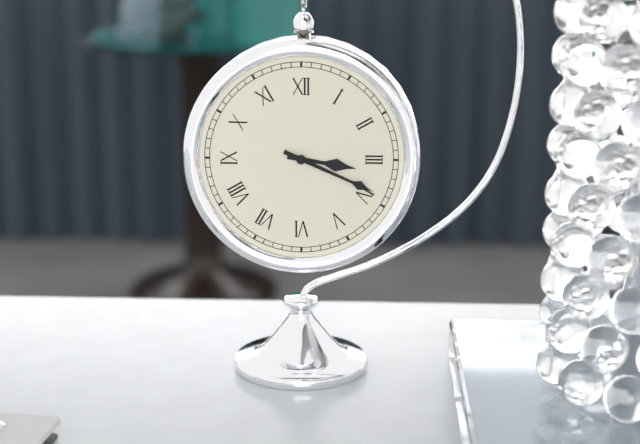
3:19
